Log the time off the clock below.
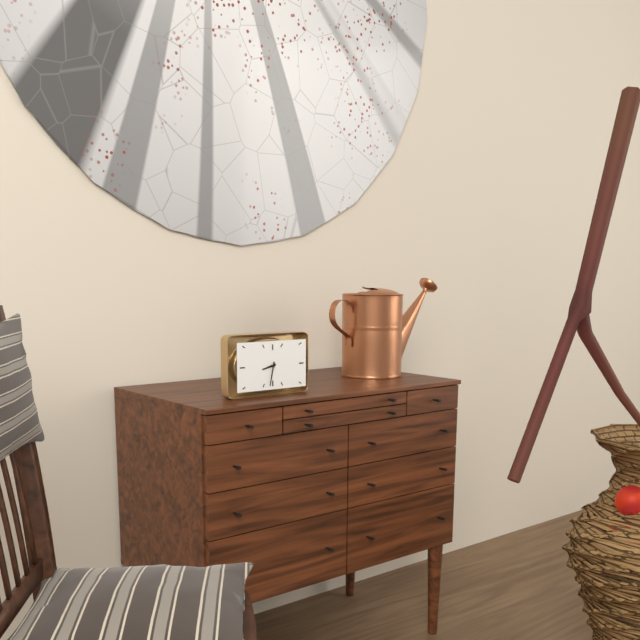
8:32
